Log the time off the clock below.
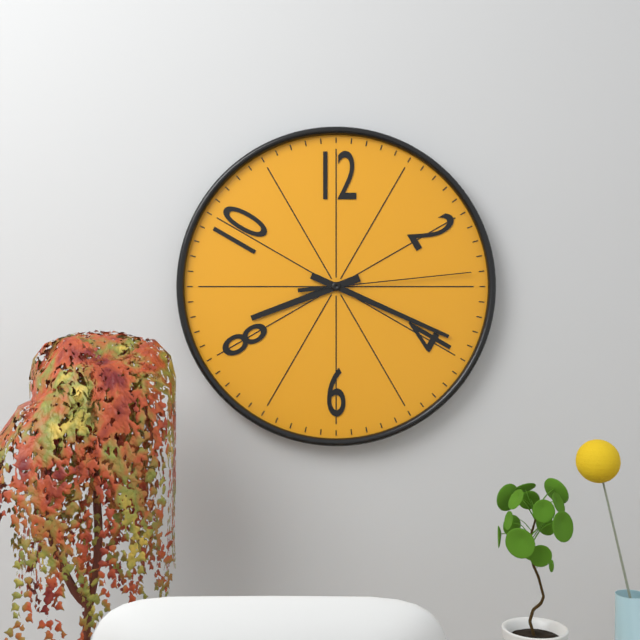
8:19:14
